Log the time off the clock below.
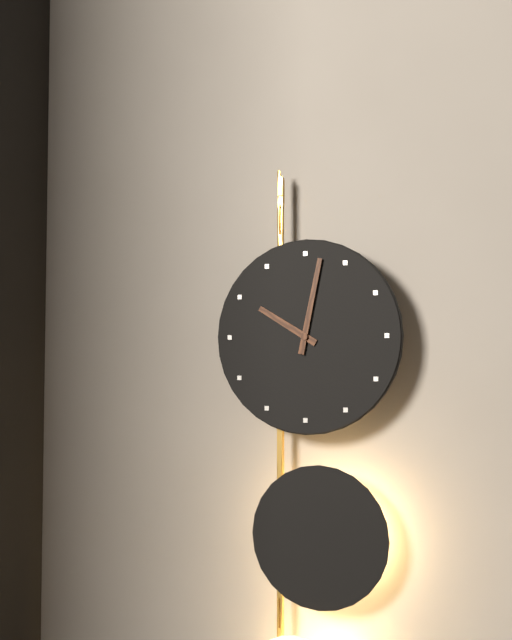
10:02
